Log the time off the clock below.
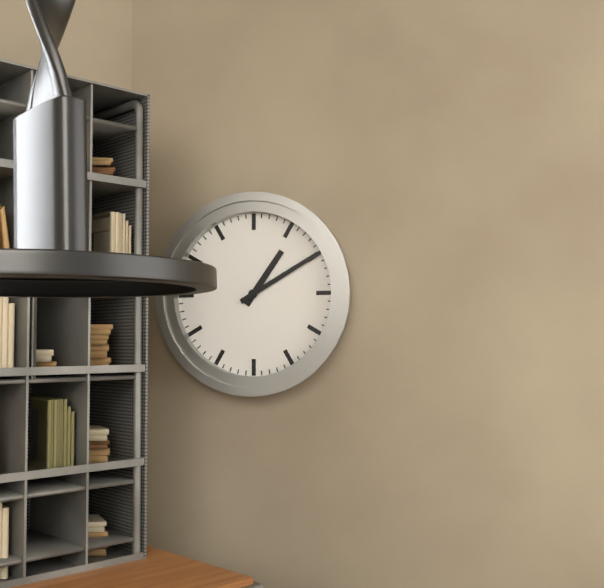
1:10
